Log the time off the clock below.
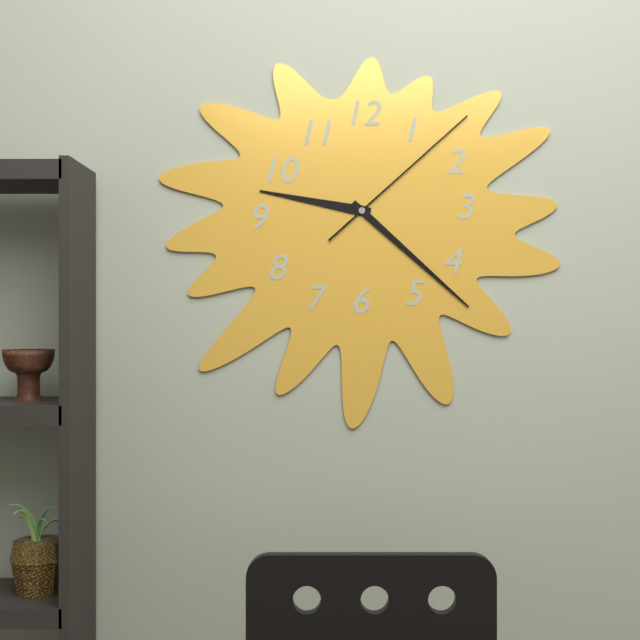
9:22:08
